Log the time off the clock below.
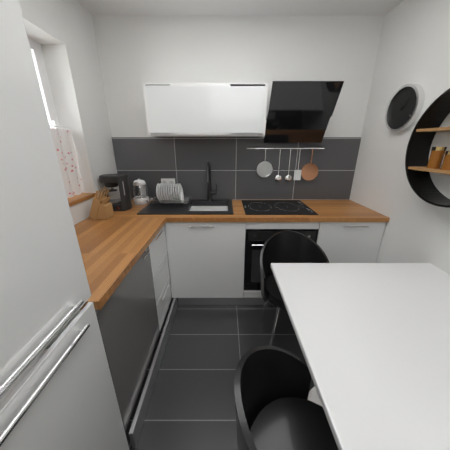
2:07
